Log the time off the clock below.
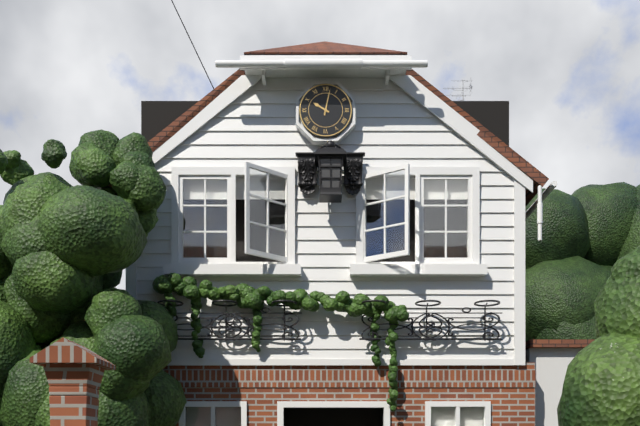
10:02
